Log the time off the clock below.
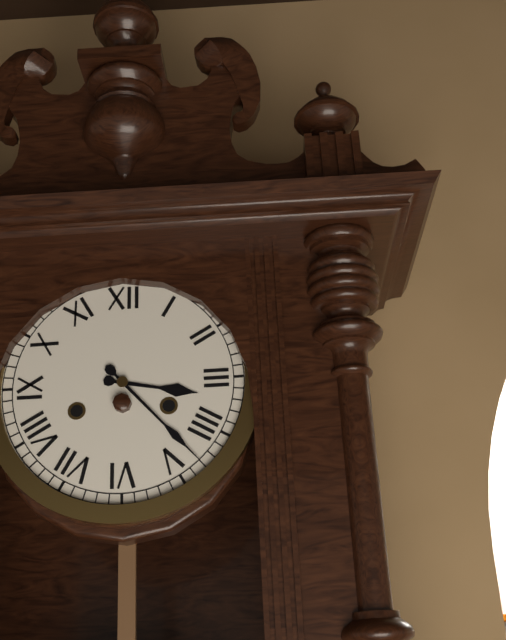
3:23
